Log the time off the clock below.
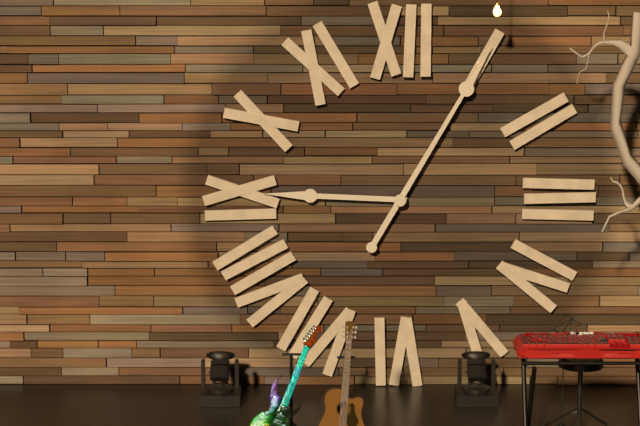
9:05
